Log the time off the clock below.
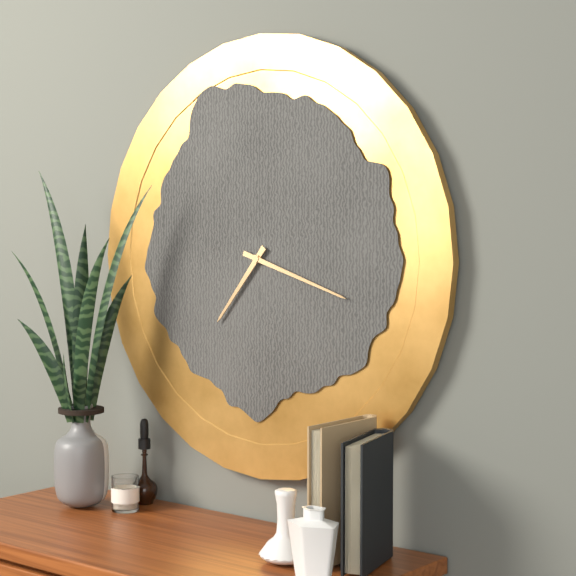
7:18
